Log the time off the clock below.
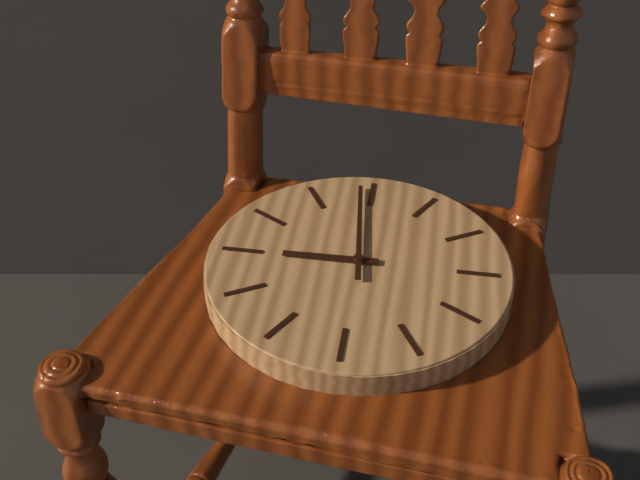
8:59
